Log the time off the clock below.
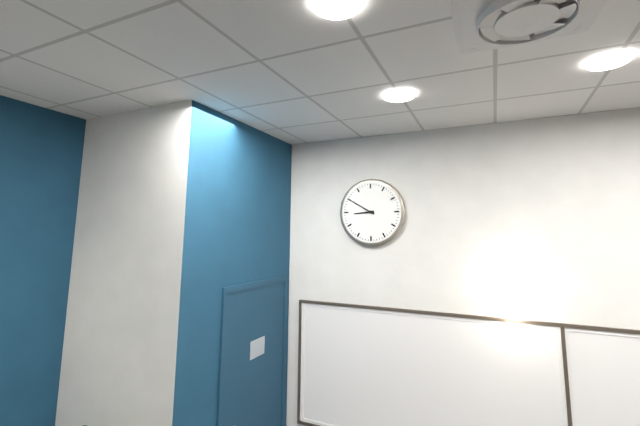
8:50
